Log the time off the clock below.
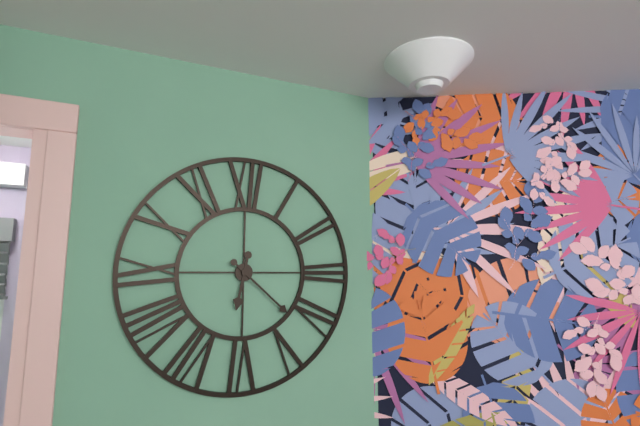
6:22
